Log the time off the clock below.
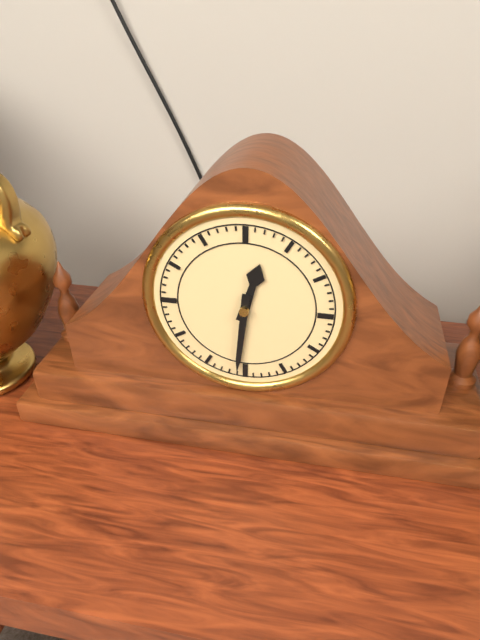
12:31
